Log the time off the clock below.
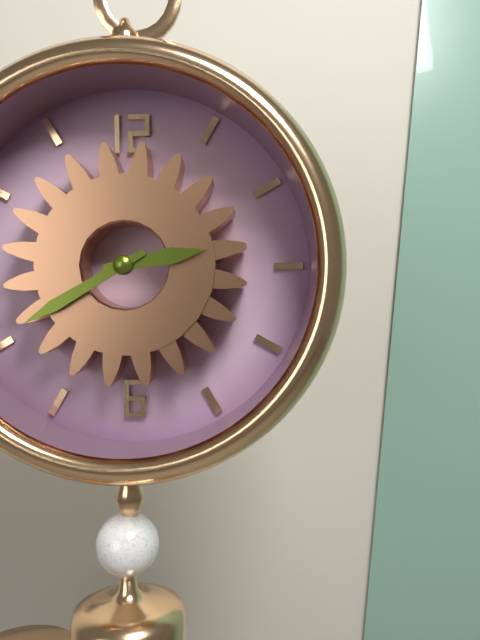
2:40
